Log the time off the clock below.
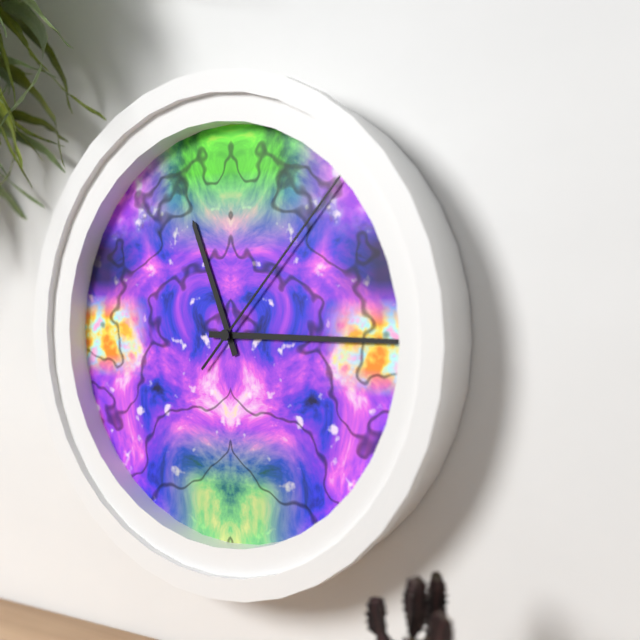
11:15:07
